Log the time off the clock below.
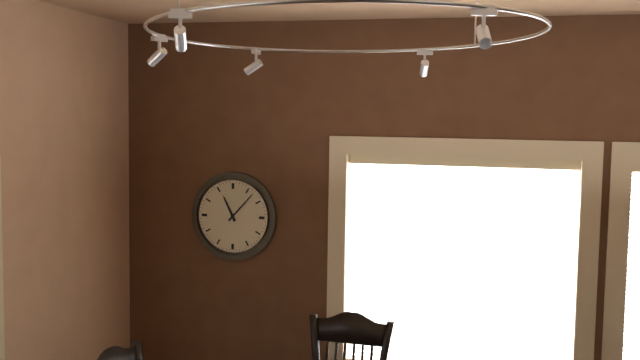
11:07
